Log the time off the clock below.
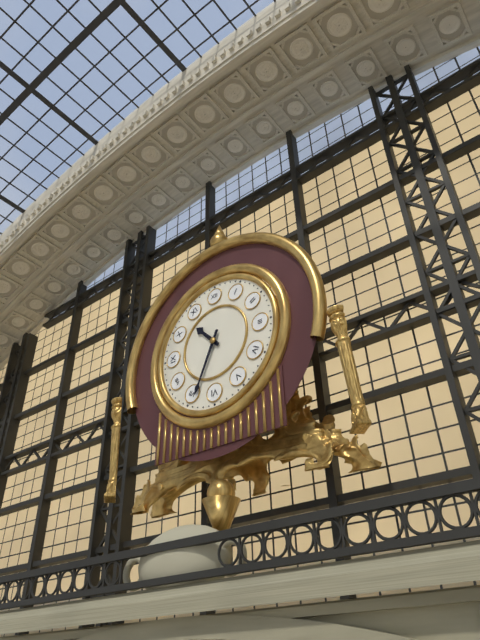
10:34
